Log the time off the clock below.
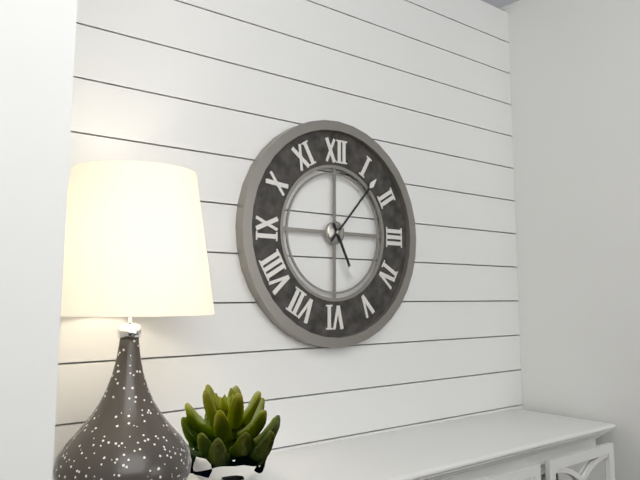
5:07
